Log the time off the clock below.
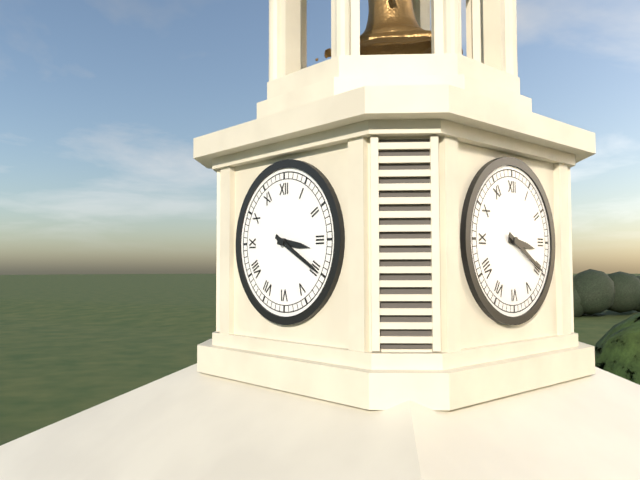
3:20
